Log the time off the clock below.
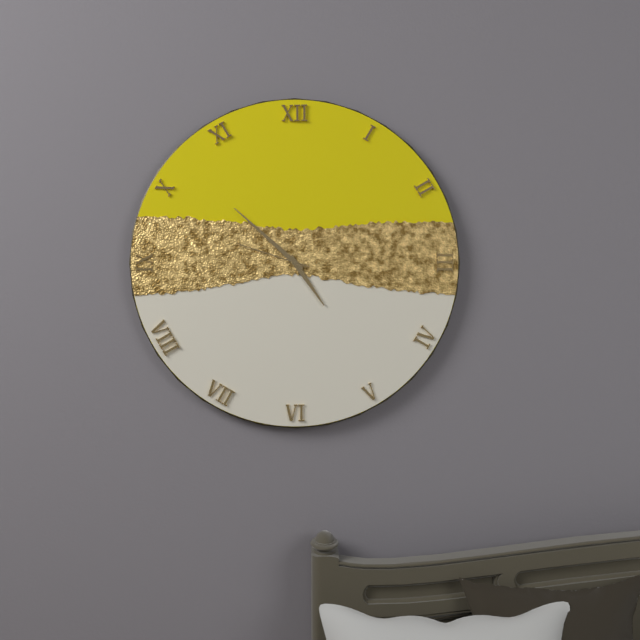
4:52:48
